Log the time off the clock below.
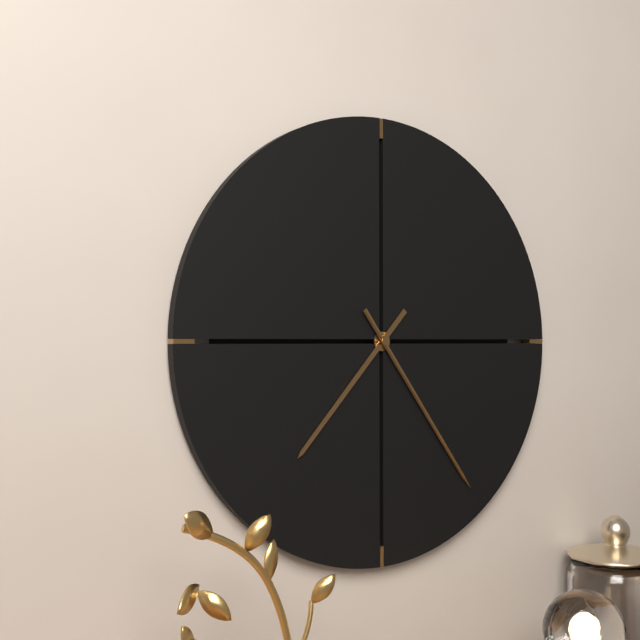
7:24:24
